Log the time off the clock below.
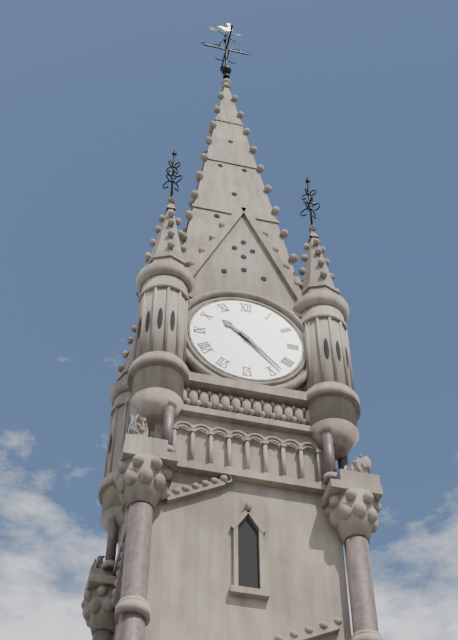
10:23
